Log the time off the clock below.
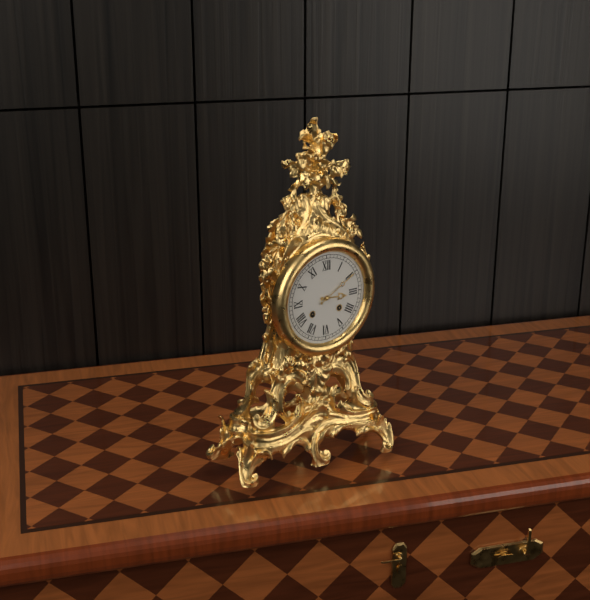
3:10
